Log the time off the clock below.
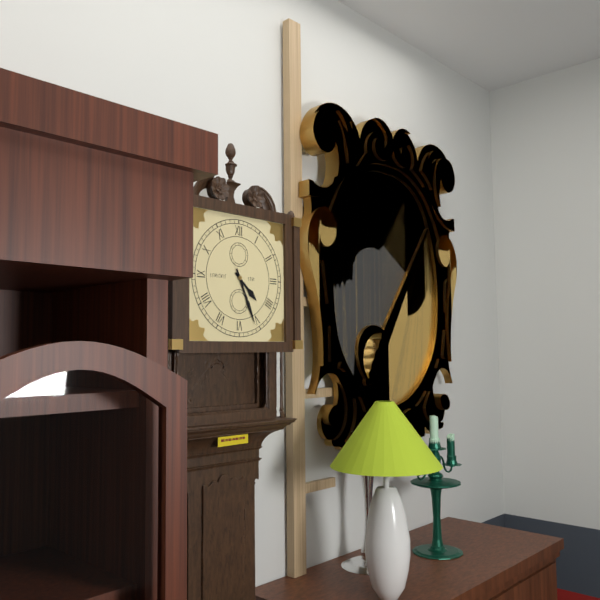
4:26
